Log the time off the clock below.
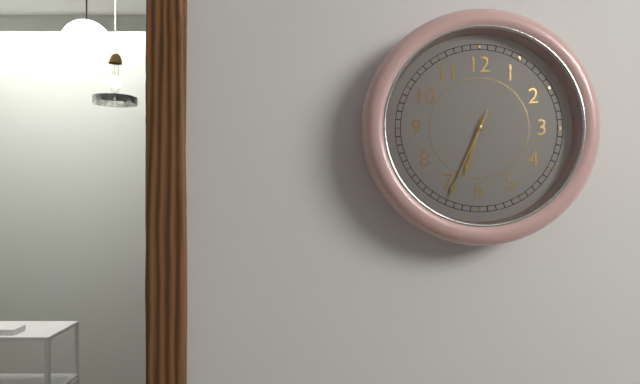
6:34:34
